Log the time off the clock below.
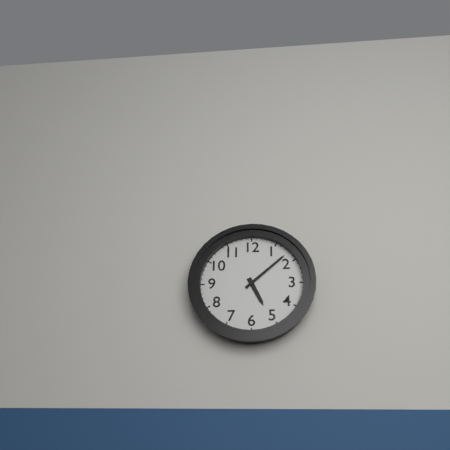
5:08
